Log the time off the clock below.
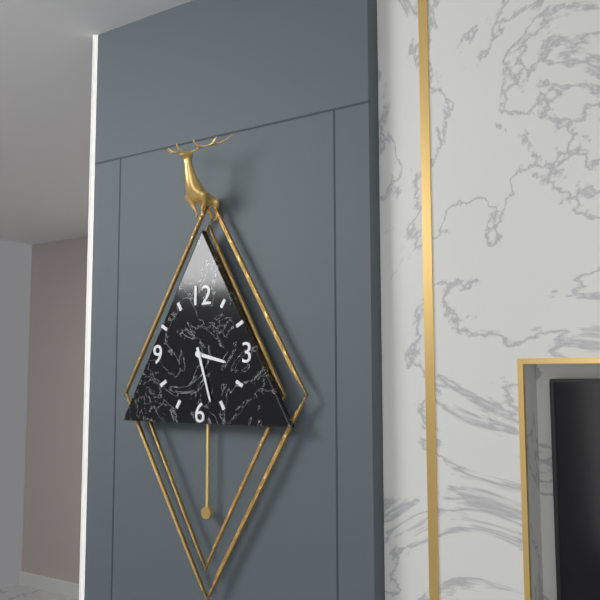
3:27
